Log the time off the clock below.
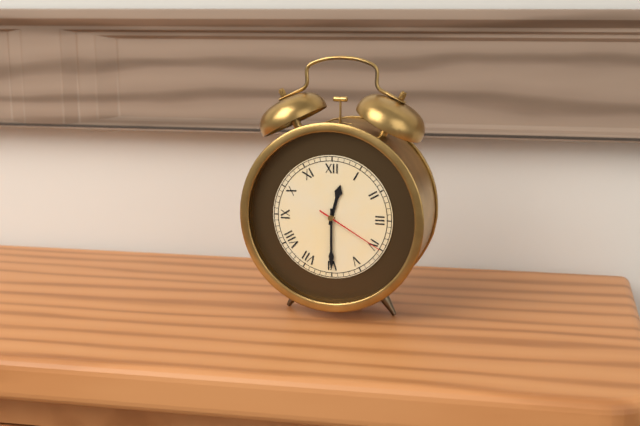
12:30:20
